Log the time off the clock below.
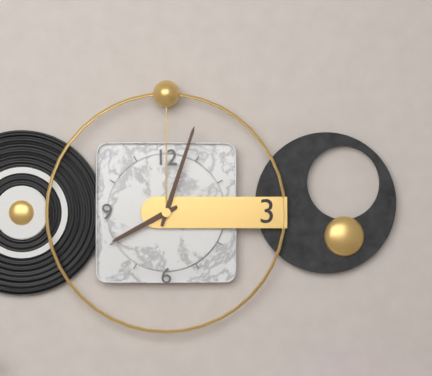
8:03
